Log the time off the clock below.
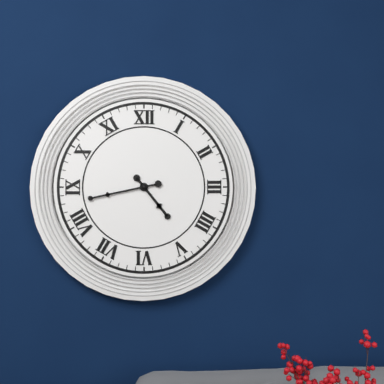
4:43
